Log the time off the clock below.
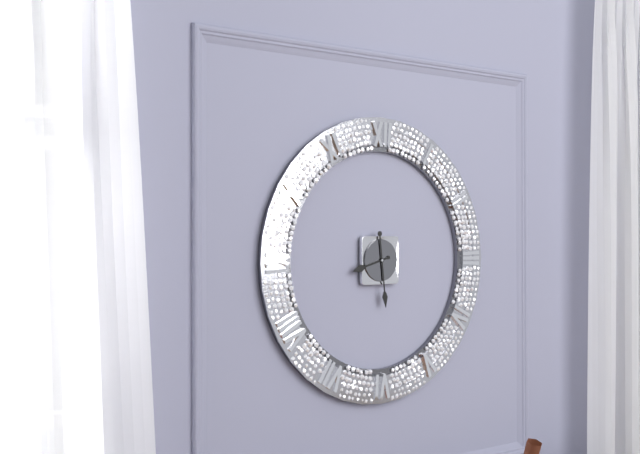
8:29
